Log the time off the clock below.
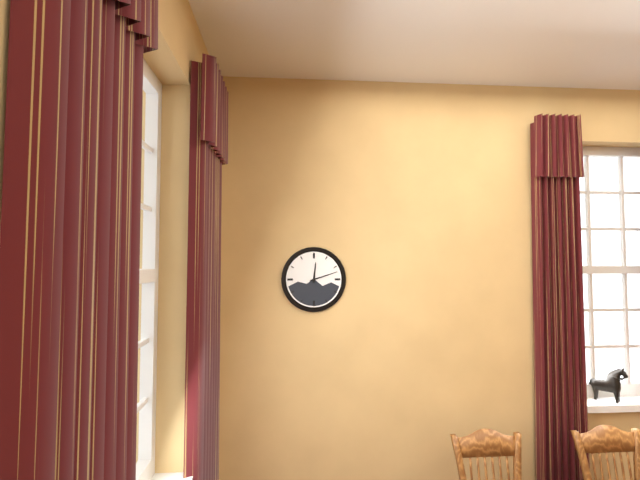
12:12
